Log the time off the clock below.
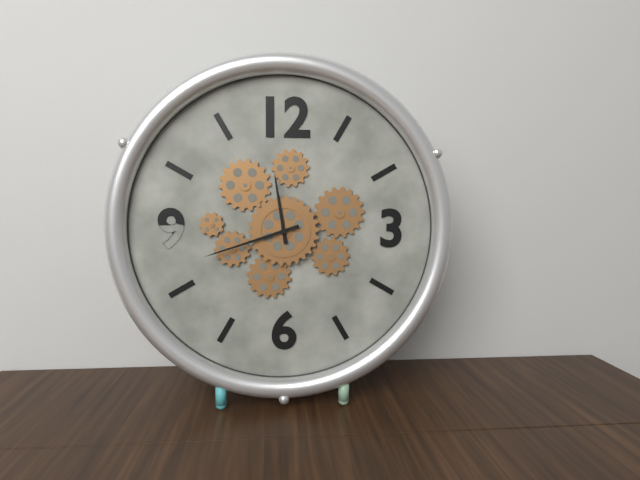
11:42
